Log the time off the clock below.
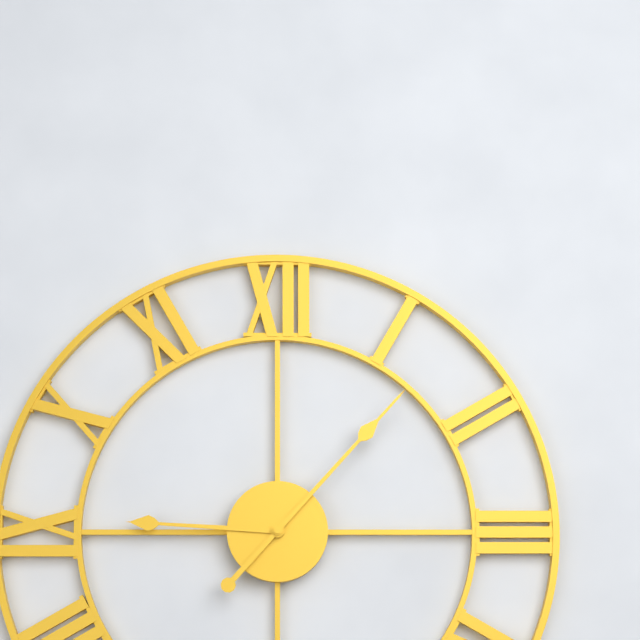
9:07
